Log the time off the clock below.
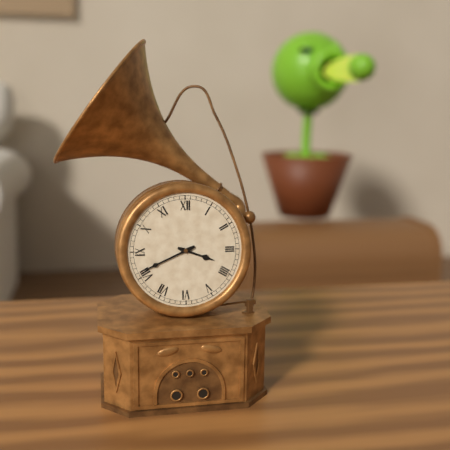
3:41
